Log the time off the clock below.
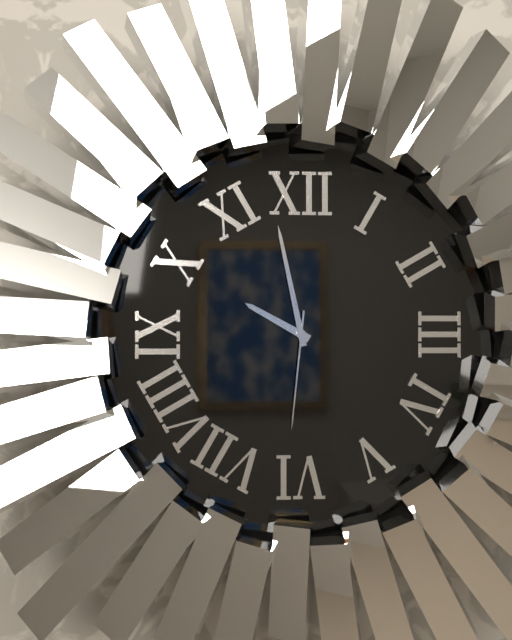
9:58:31
